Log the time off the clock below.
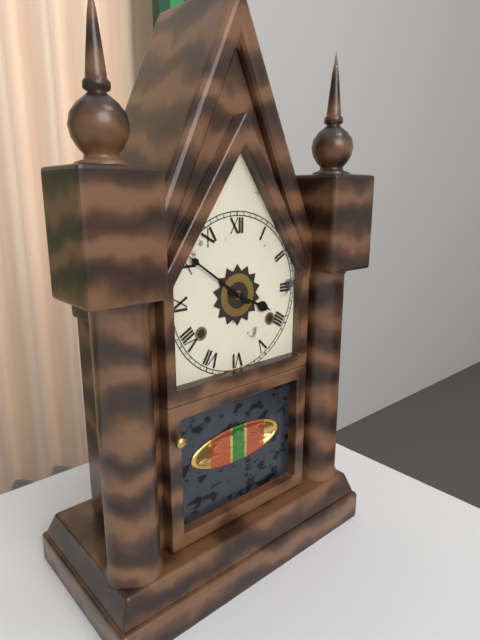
3:51
